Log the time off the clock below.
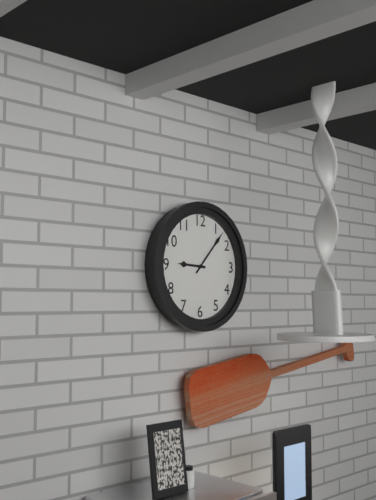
9:07
